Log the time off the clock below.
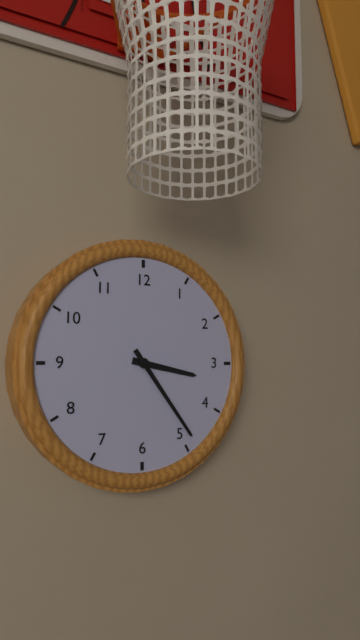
3:24
